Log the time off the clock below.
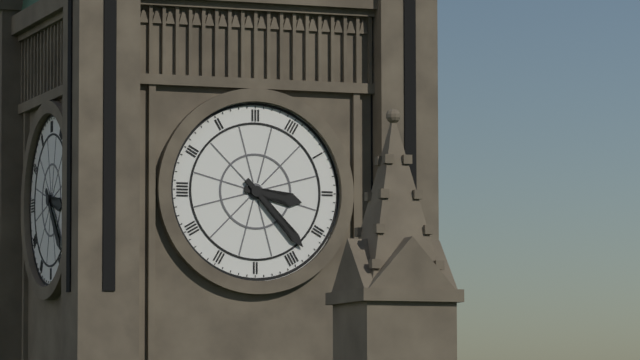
3:23
